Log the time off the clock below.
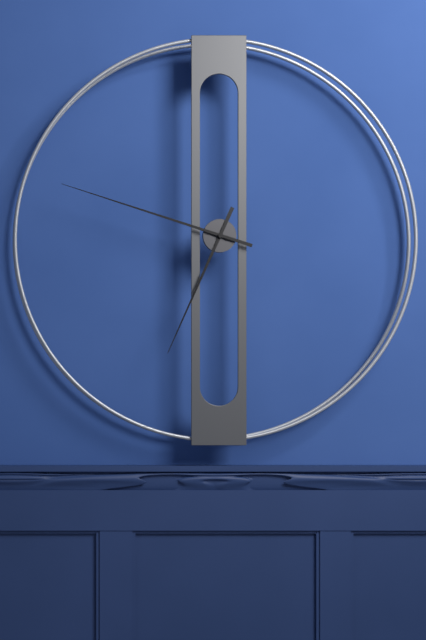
6:48
